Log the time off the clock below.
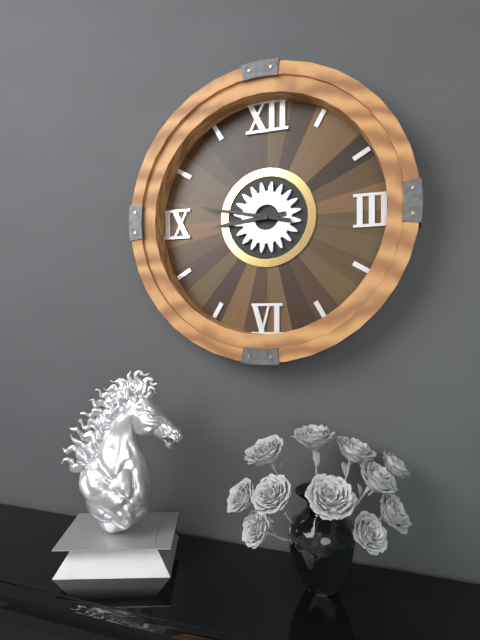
8:47
